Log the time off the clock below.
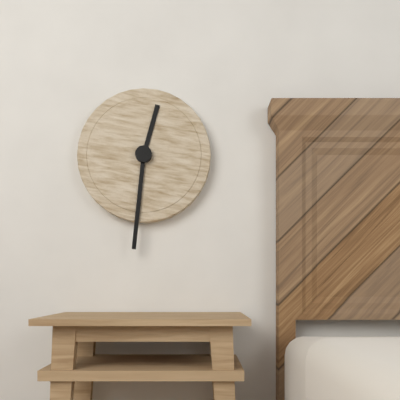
12:31
